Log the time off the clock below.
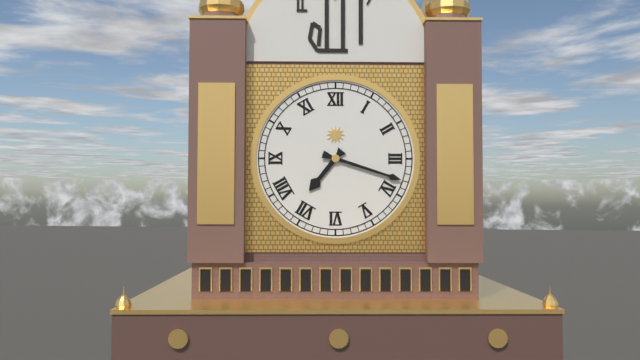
7:18
